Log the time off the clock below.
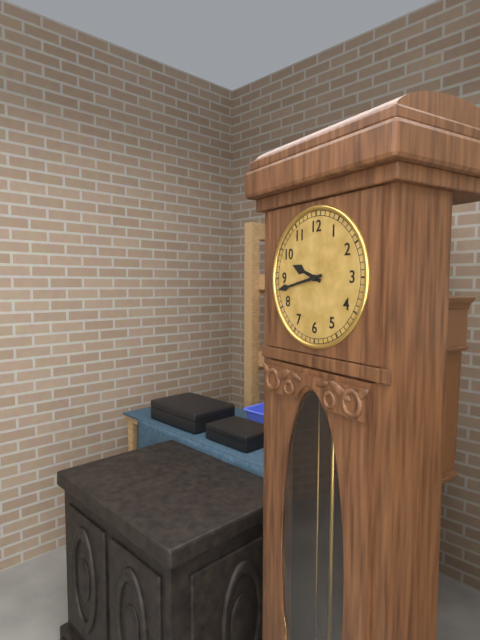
9:43
